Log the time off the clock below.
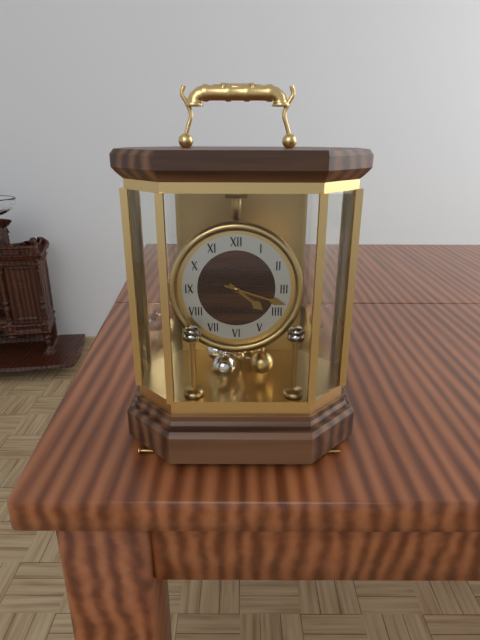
4:18
